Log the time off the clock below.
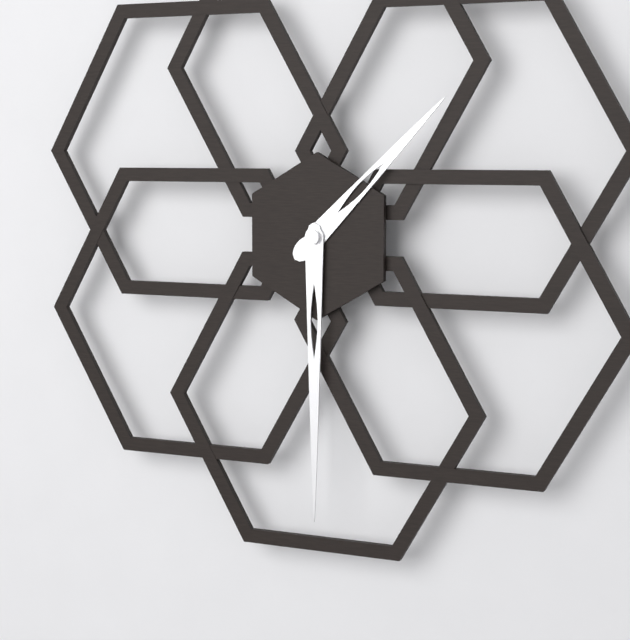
1:30
